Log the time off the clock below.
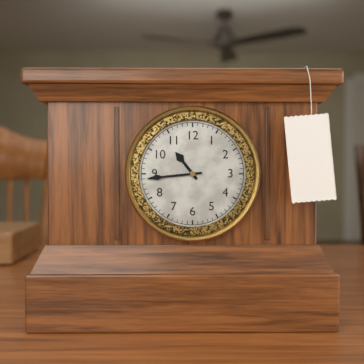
10:44
